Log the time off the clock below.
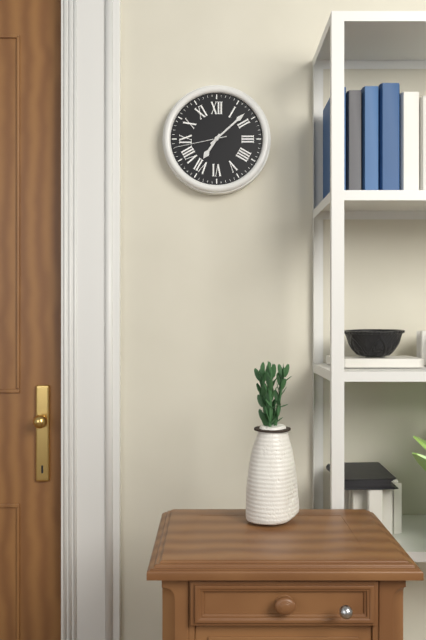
7:08:43
